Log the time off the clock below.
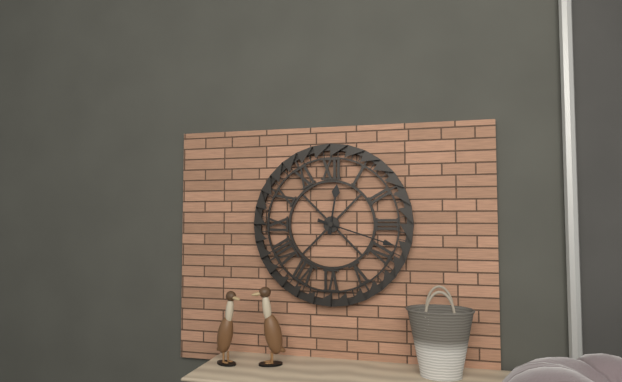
12:18
